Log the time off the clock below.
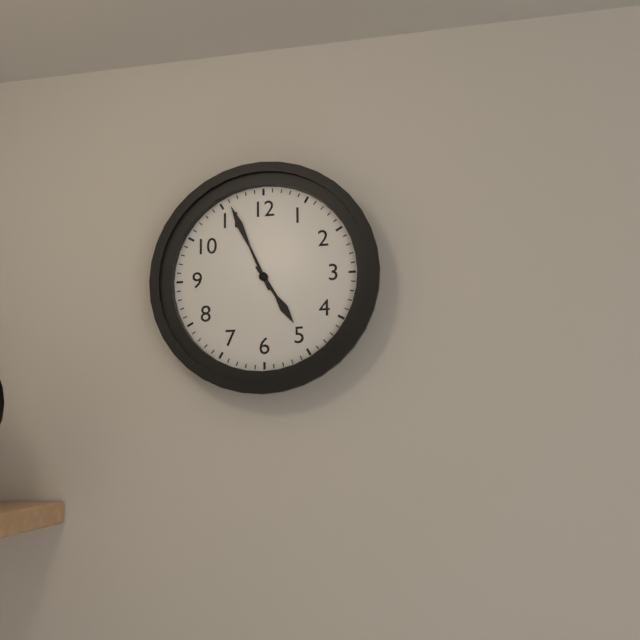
4:56
